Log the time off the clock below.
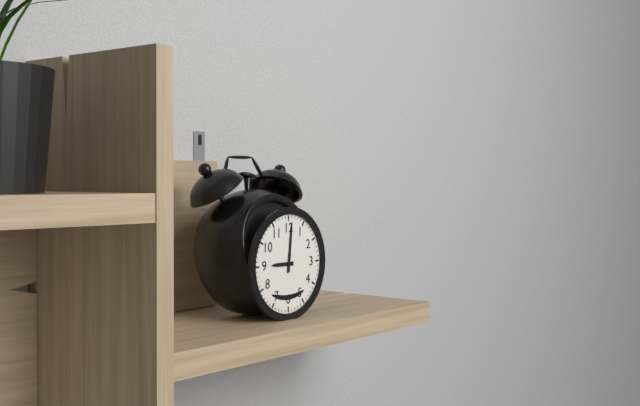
9:01
